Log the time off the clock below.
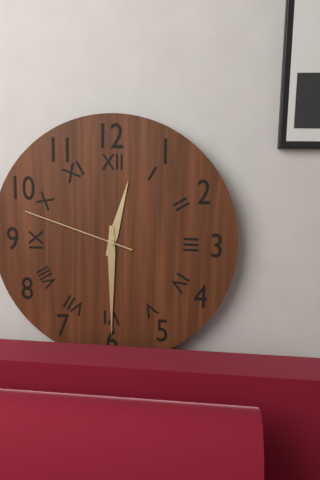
12:30:48
